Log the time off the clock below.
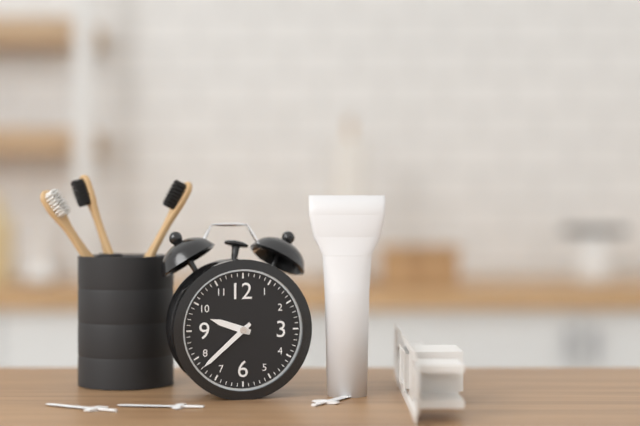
9:38
